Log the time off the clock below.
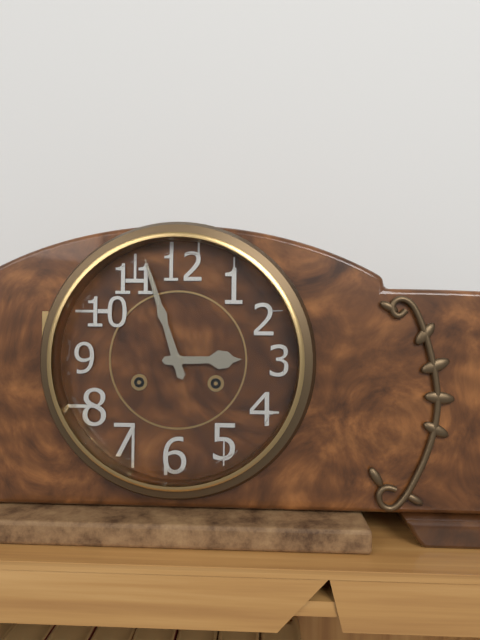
2:57
